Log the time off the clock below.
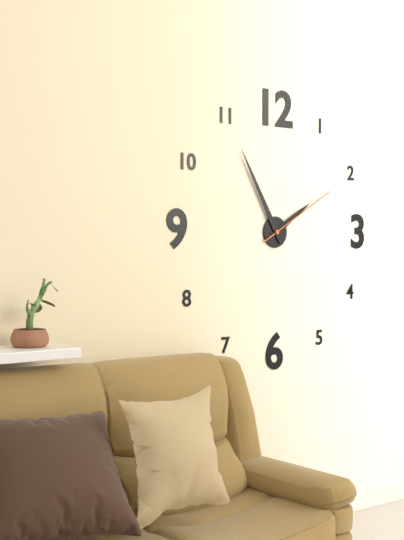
1:55:10
